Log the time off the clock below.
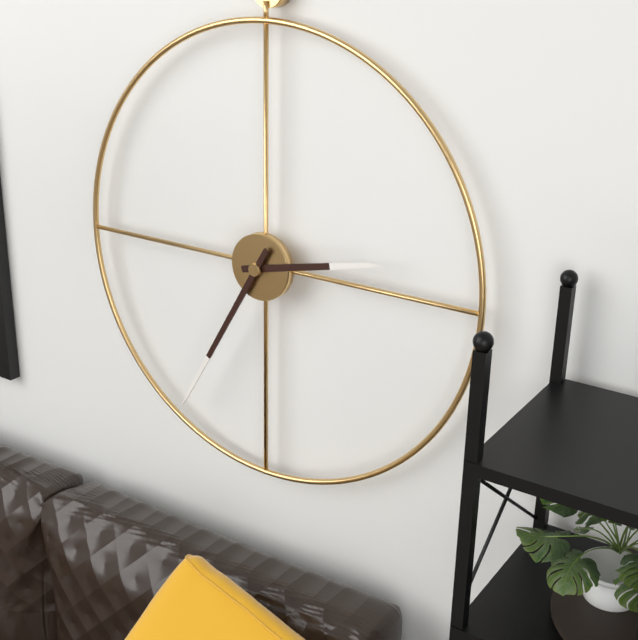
2:35
